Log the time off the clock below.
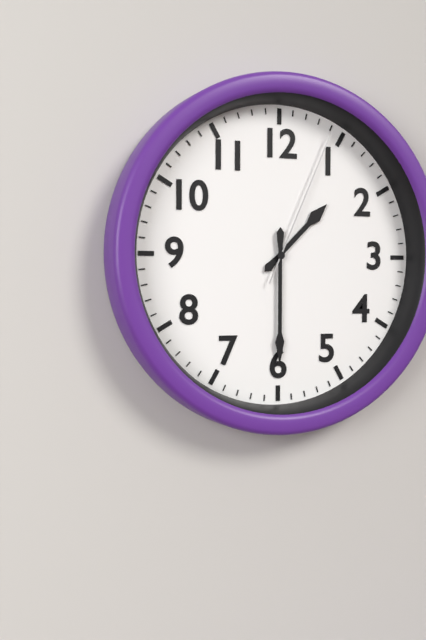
1:30:04
